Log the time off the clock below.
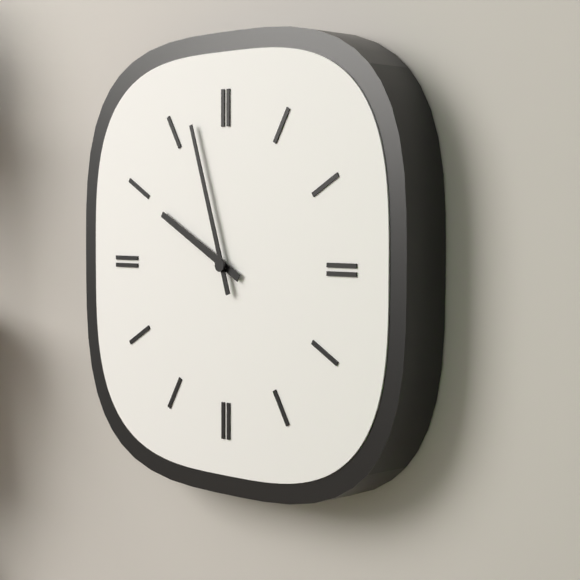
9:57
